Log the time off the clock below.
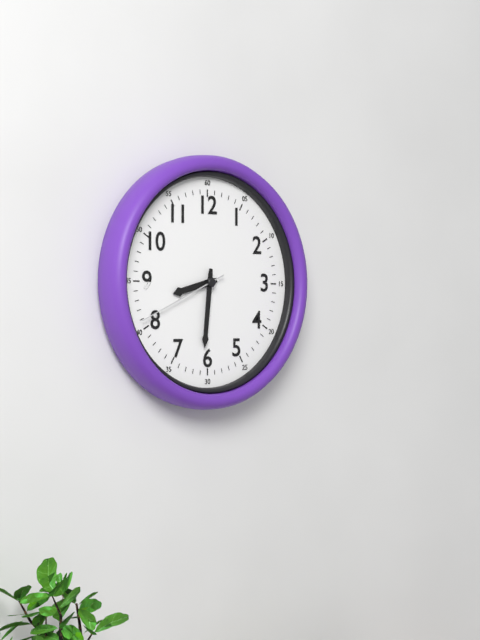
8:31:41
